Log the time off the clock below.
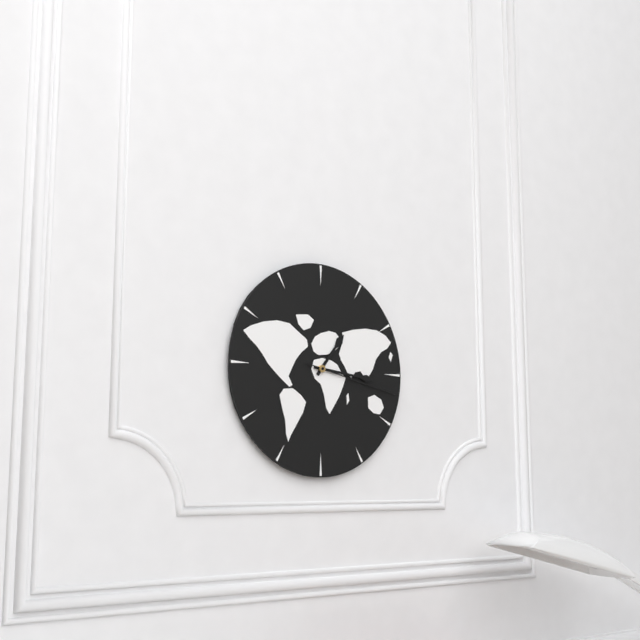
1:16:17
